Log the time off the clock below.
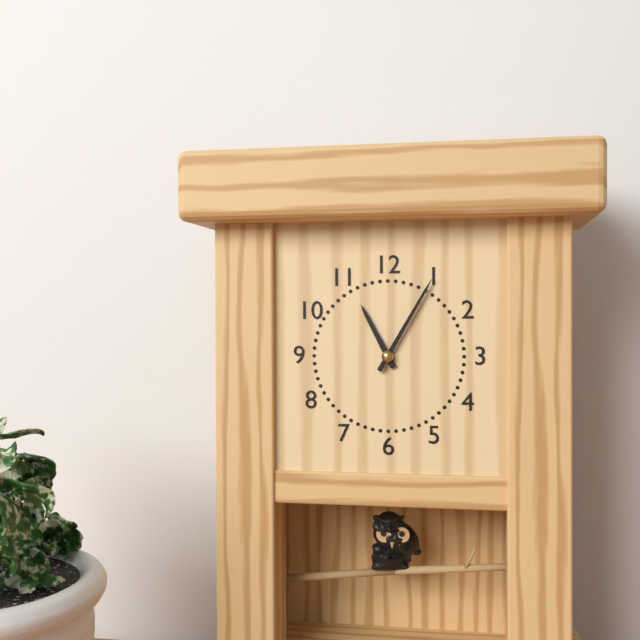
11:05
